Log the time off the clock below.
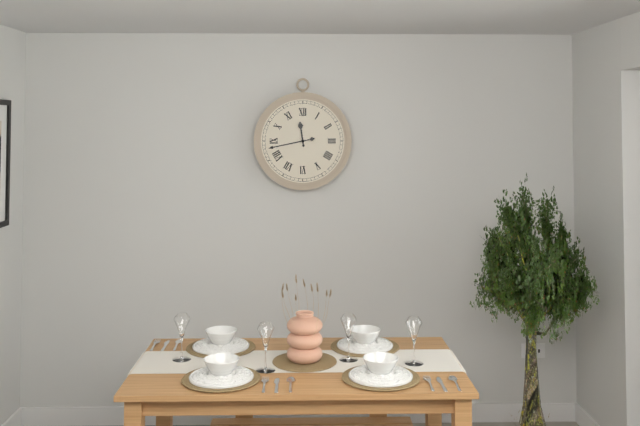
11:43
